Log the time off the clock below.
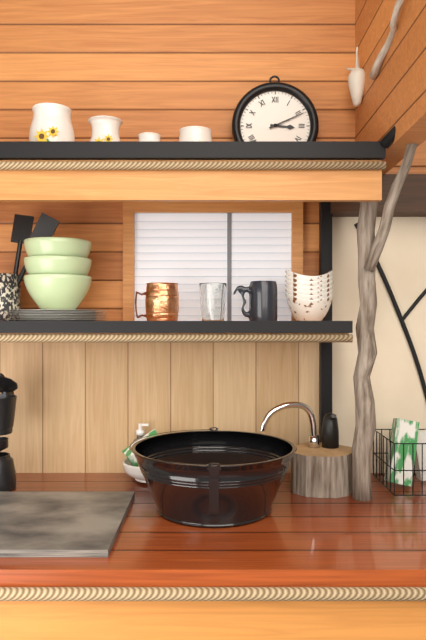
3:11
